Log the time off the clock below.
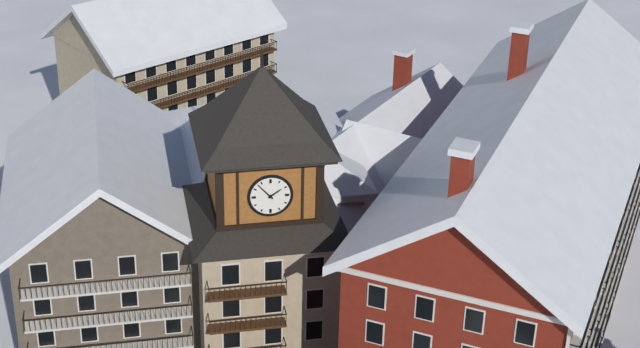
1:53
